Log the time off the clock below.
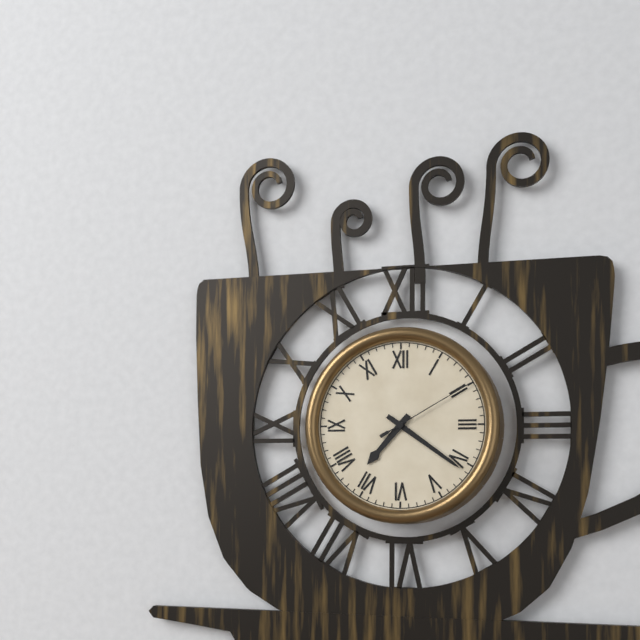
7:21:10
